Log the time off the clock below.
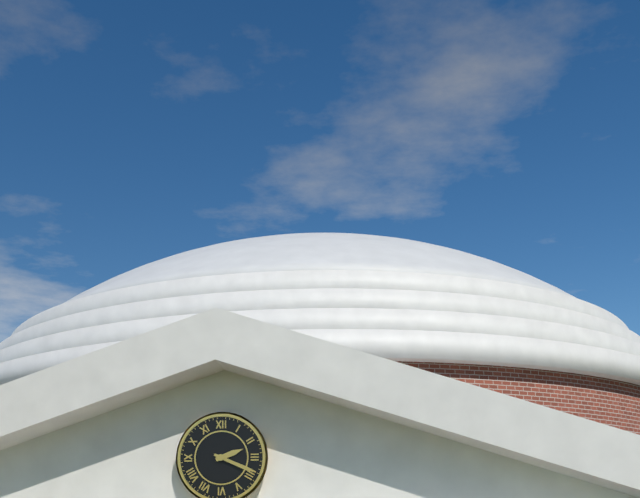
2:19
